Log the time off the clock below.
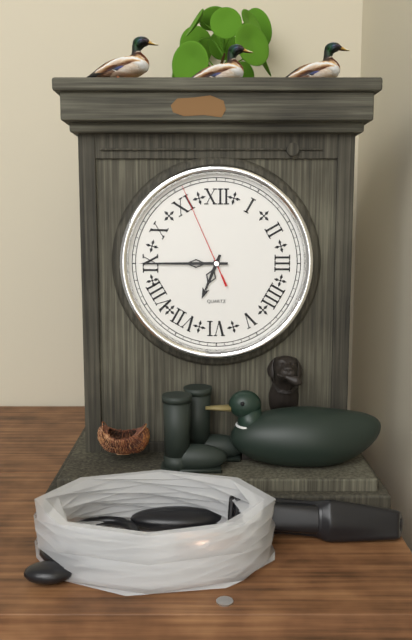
6:45:56
